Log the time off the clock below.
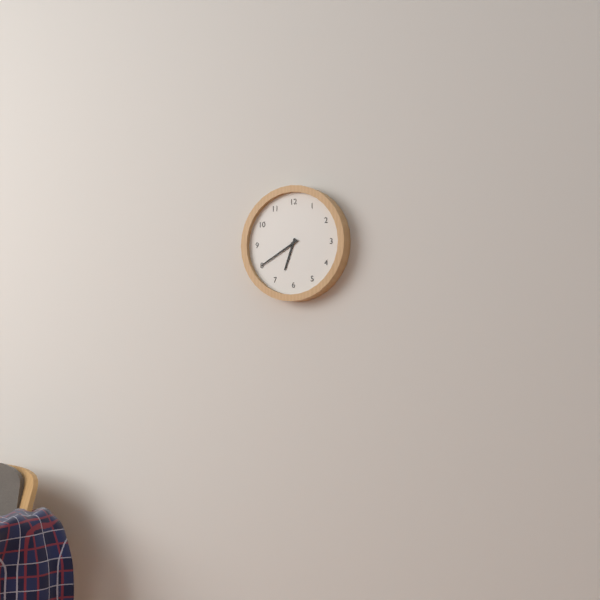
6:40
